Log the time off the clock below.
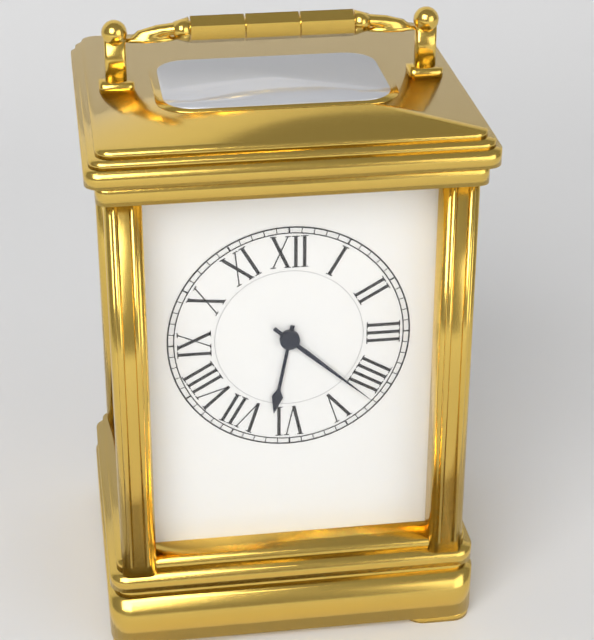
6:22
